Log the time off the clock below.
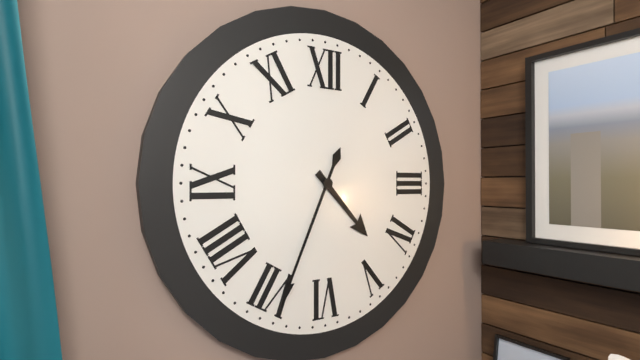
4:34
